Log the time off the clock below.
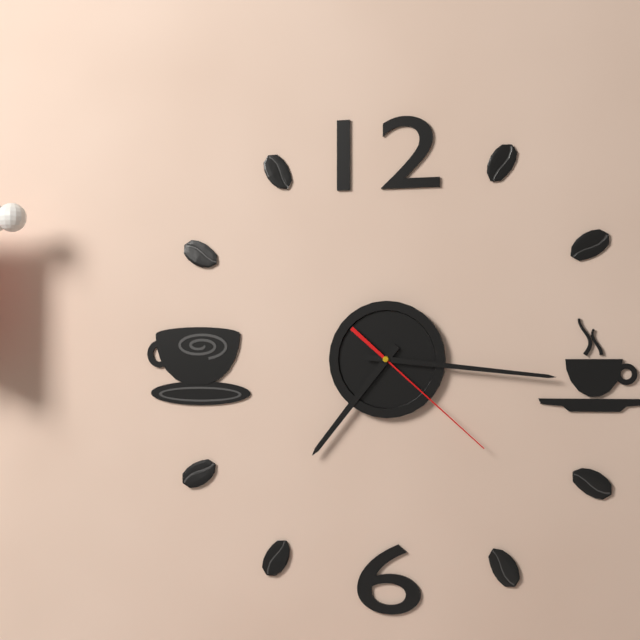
7:16:22
